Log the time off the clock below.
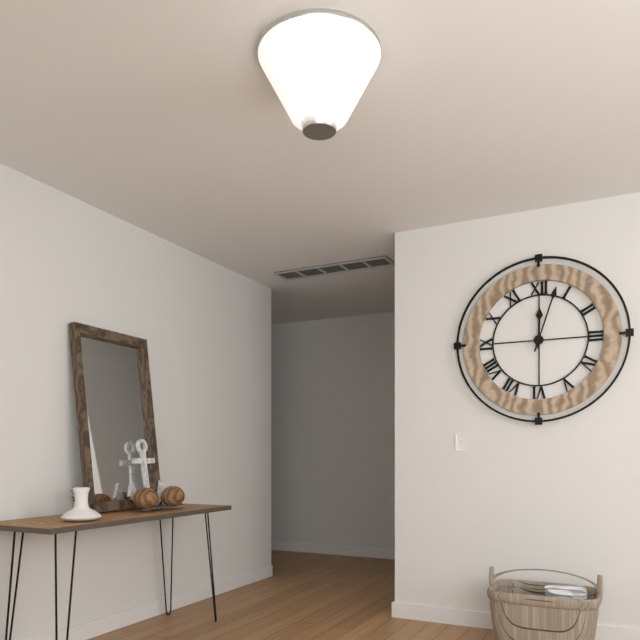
12:03
